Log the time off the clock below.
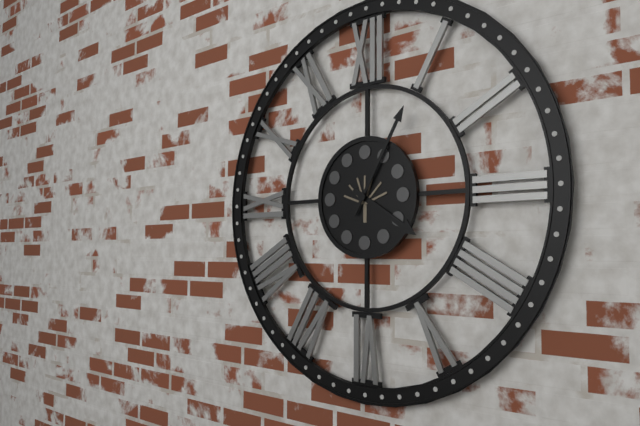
4:05
